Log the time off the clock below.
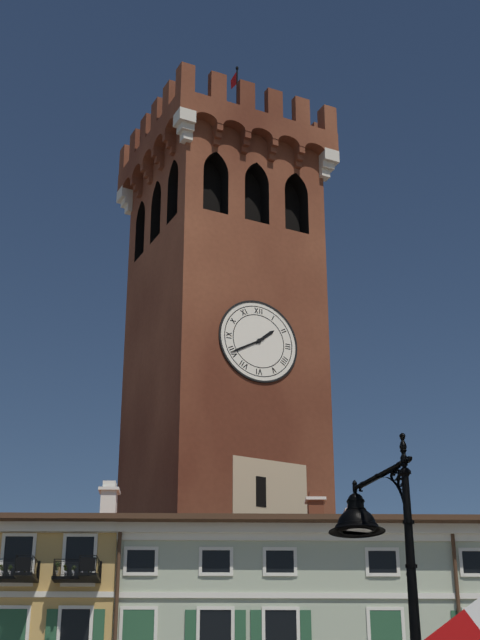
1:40
